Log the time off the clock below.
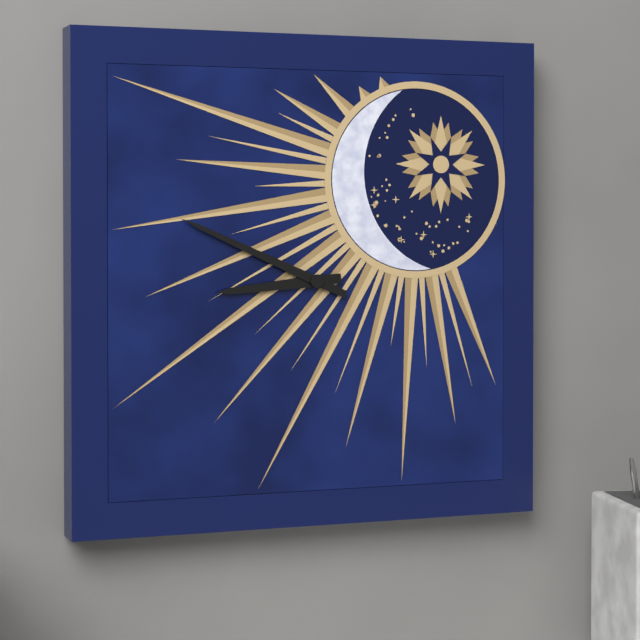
8:49
